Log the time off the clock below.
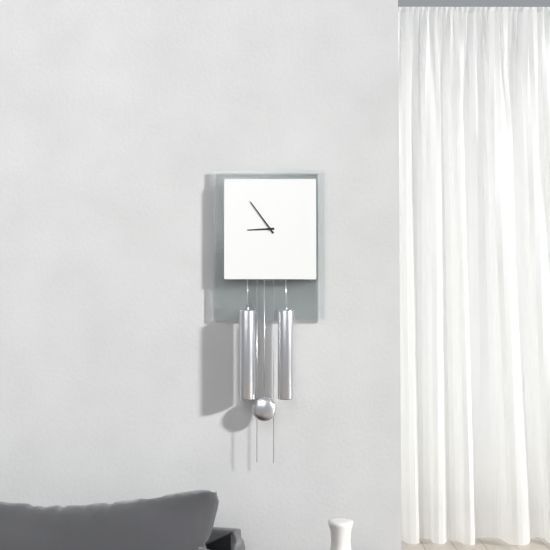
8:54
